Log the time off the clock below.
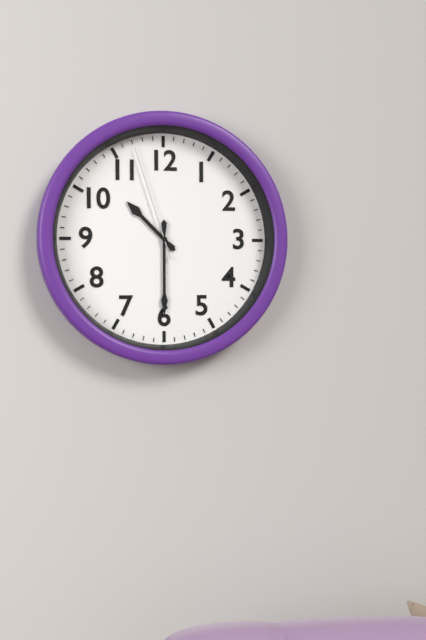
10:30:57
